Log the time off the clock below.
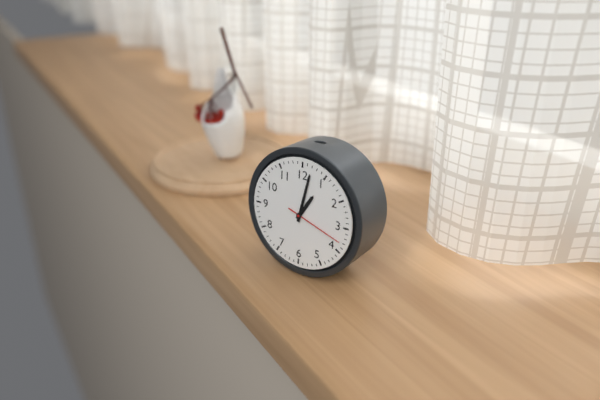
1:02:18
